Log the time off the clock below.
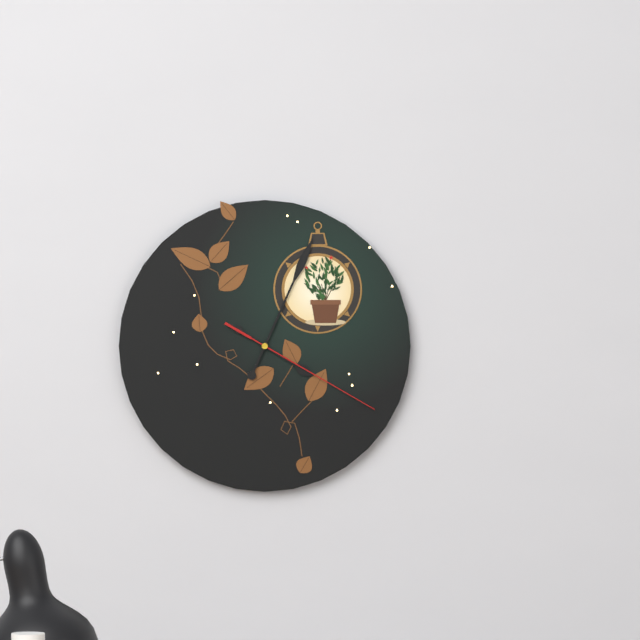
4:04:20
